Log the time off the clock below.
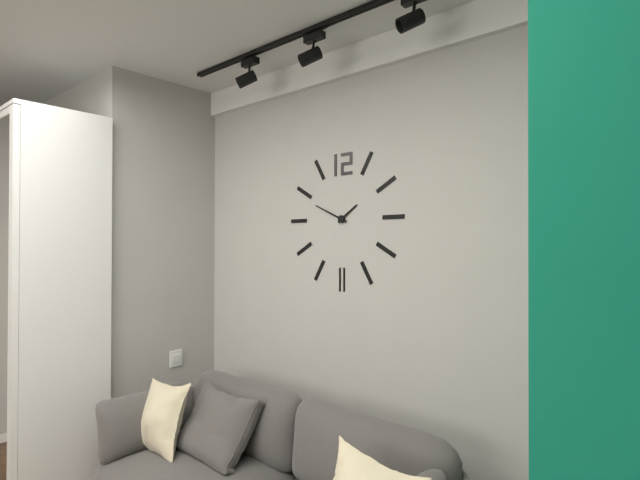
1:49
